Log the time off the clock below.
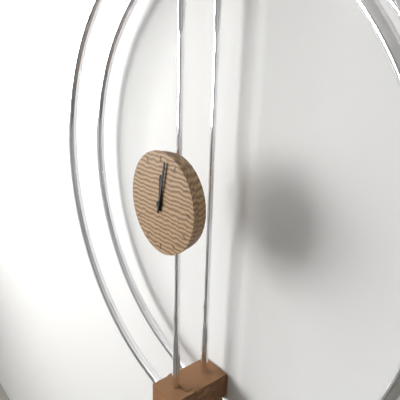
12:02
